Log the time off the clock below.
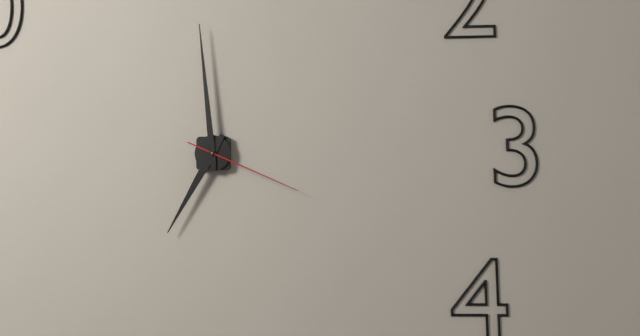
6:59:19
